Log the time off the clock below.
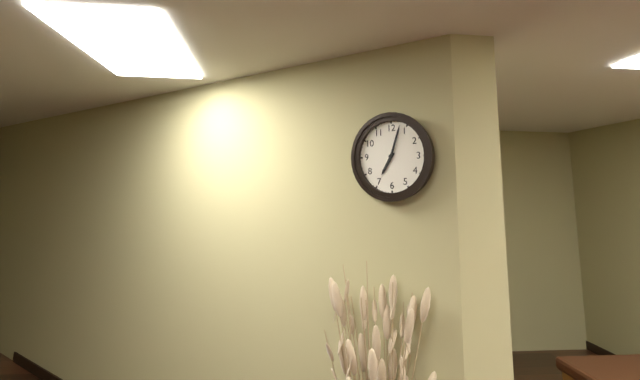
7:03
